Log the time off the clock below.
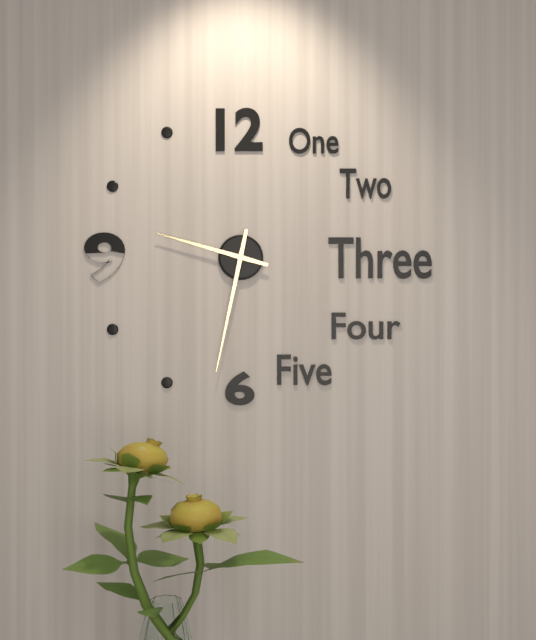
9:32
